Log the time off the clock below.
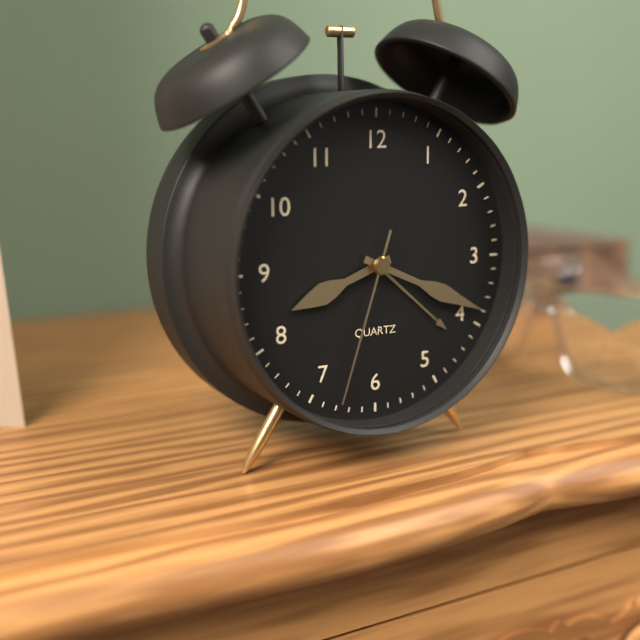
8:19:33
